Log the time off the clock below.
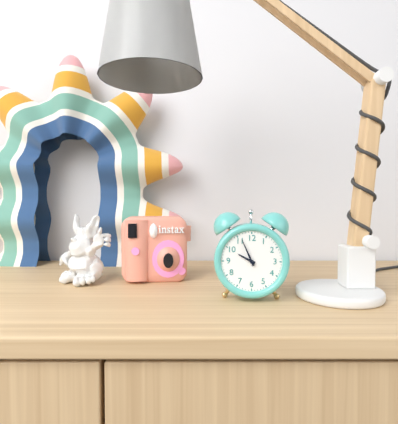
9:56
